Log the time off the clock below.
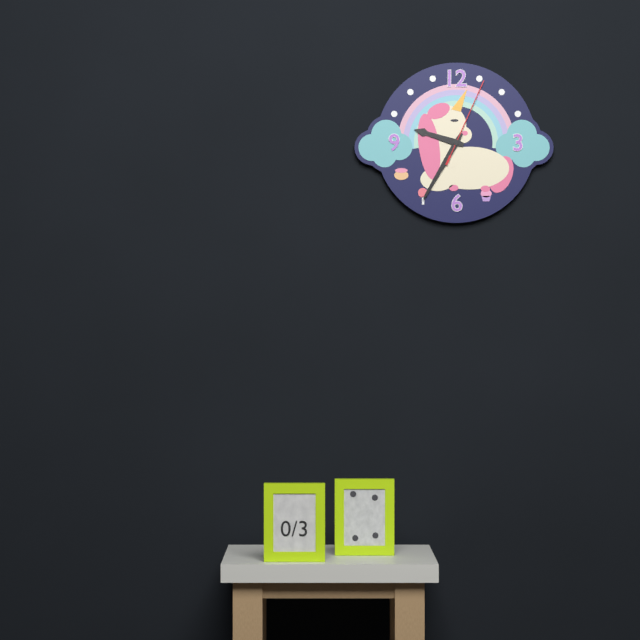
9:35:04
